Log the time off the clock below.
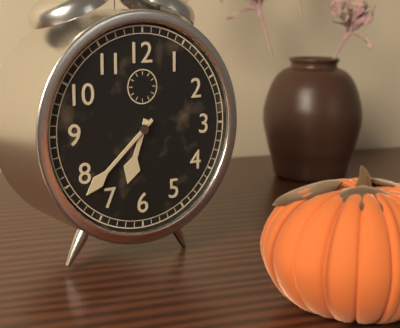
6:38
